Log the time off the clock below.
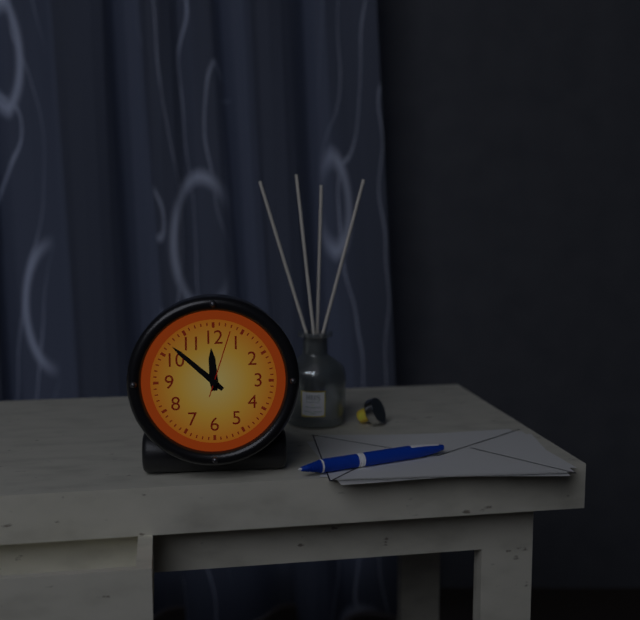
11:52:03
